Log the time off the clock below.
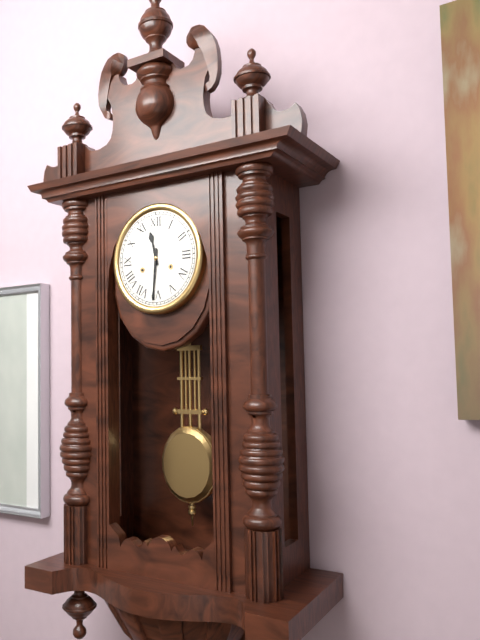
11:31
